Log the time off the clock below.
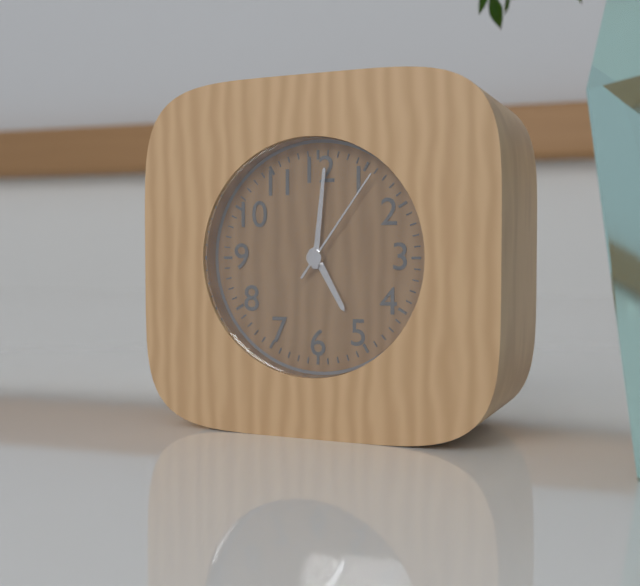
5:01:06
